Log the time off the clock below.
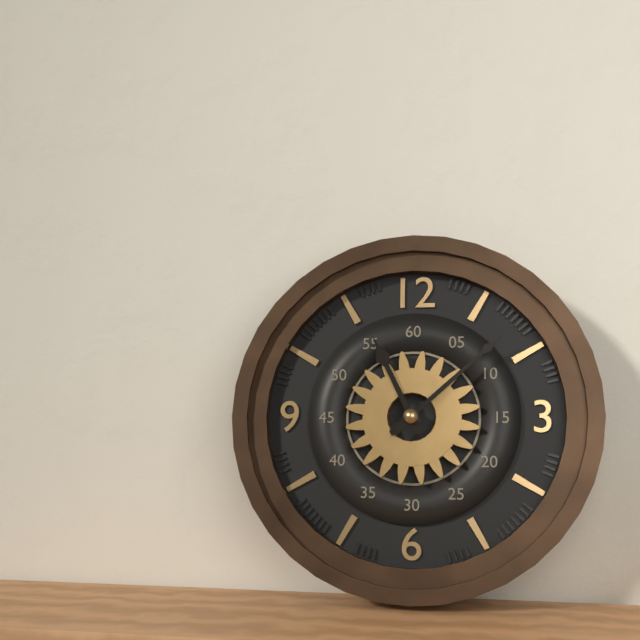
11:08
